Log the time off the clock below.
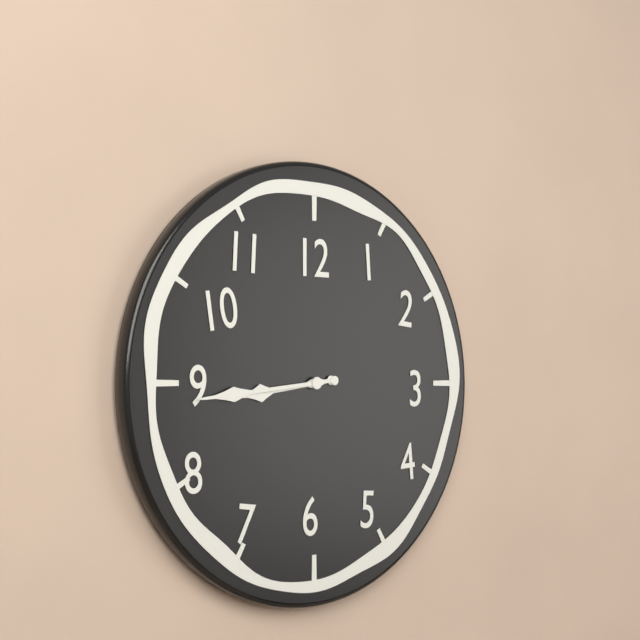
8:44
